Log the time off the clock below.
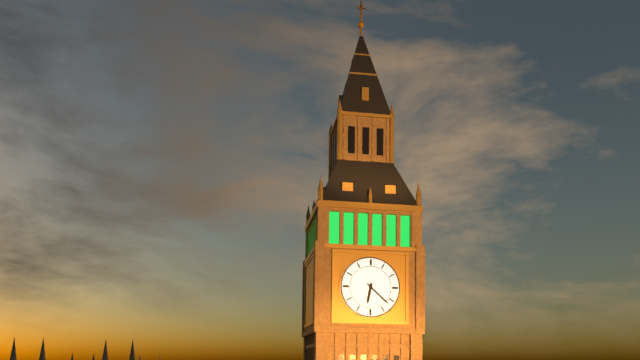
6:22
